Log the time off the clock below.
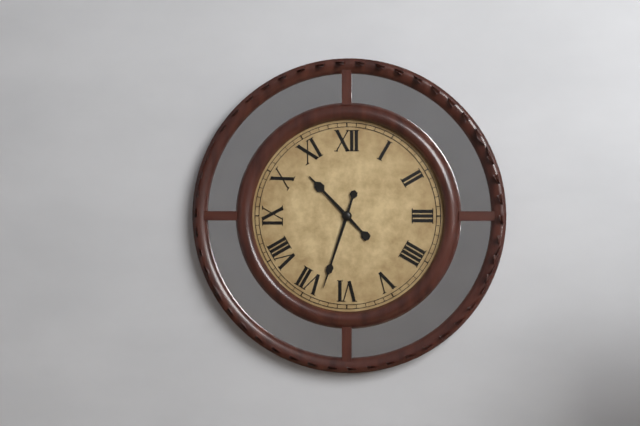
10:33
